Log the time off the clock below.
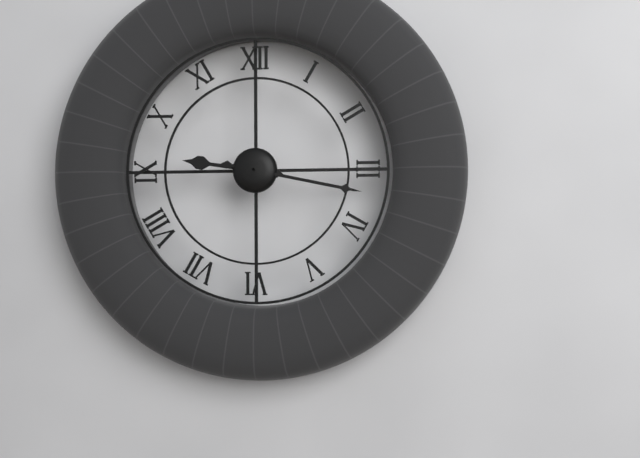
9:17
